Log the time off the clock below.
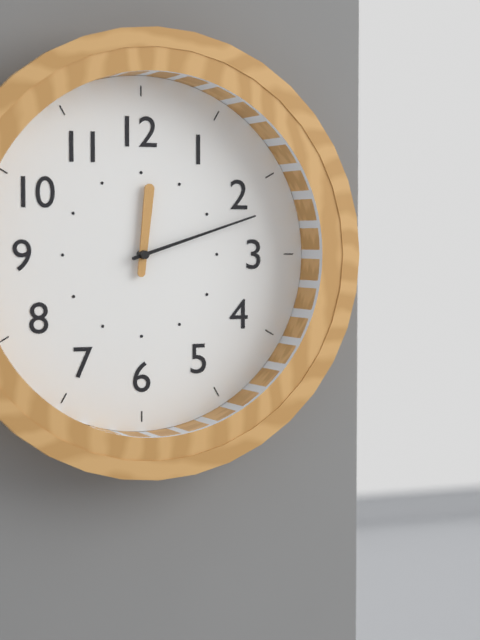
12:12
